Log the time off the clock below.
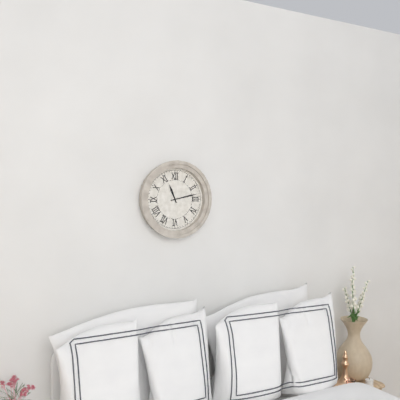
11:13
